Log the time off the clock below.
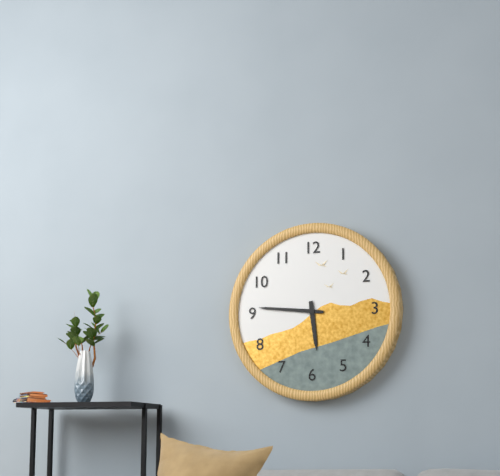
5:46
